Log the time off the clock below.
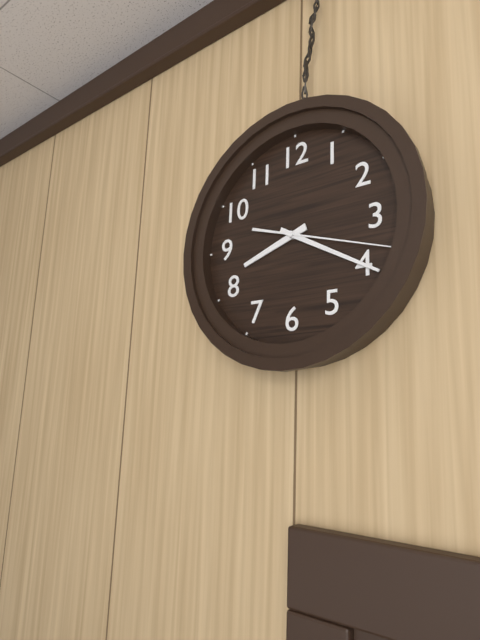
8:20:18
